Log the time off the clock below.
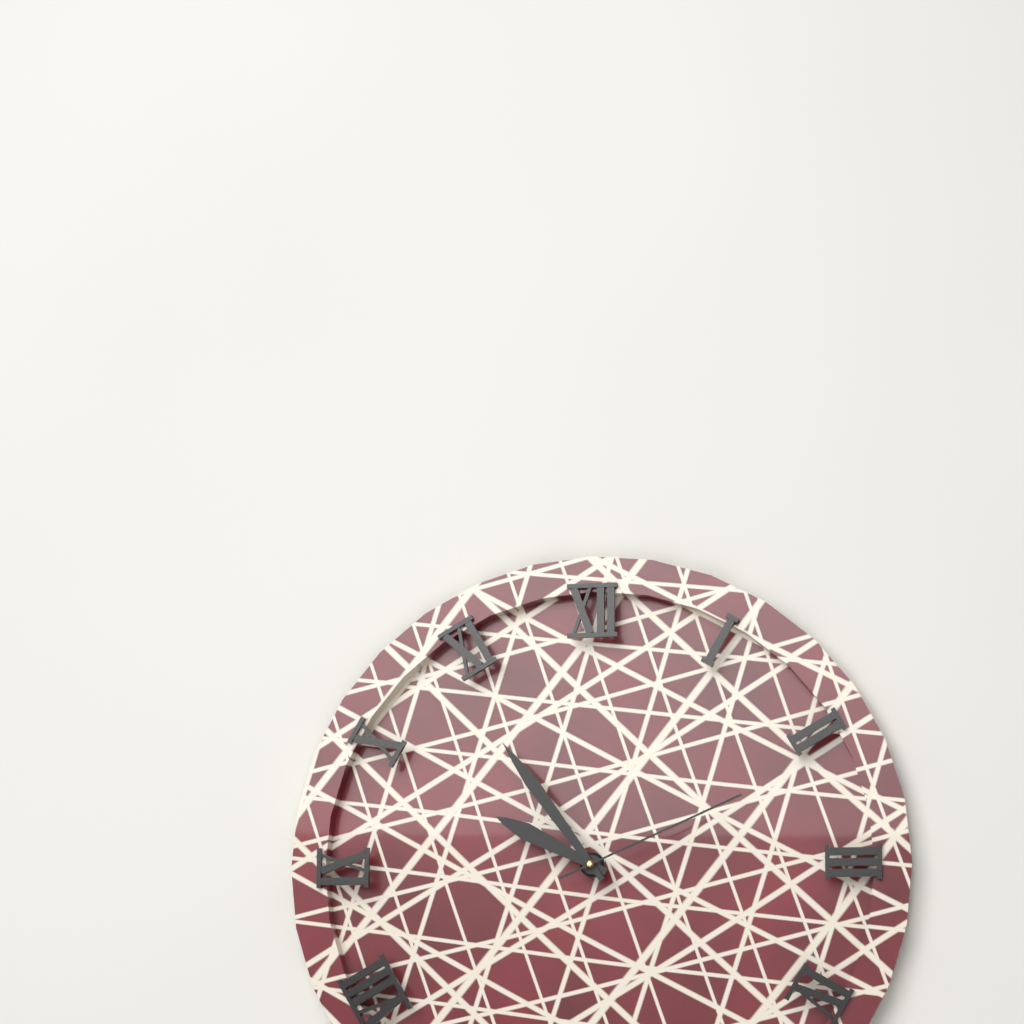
9:54:11
